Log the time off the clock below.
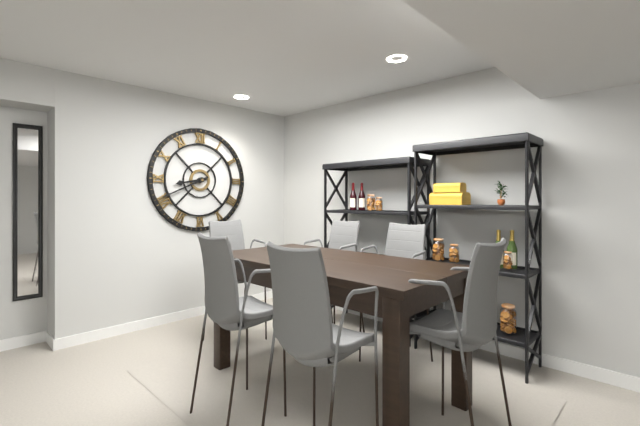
8:41
